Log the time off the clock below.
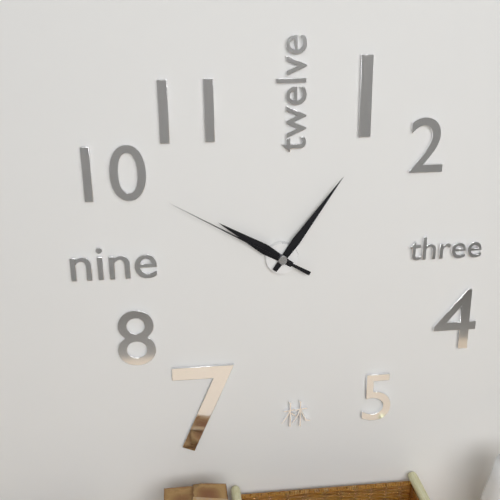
10:06:50
